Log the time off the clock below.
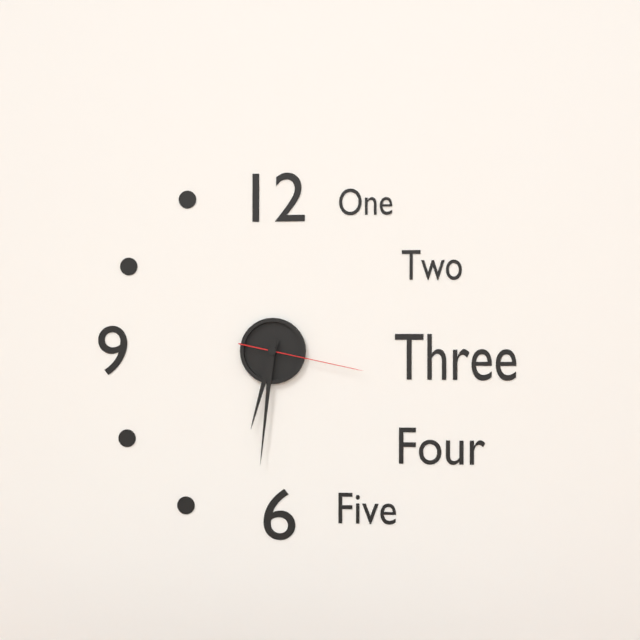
6:31:17
